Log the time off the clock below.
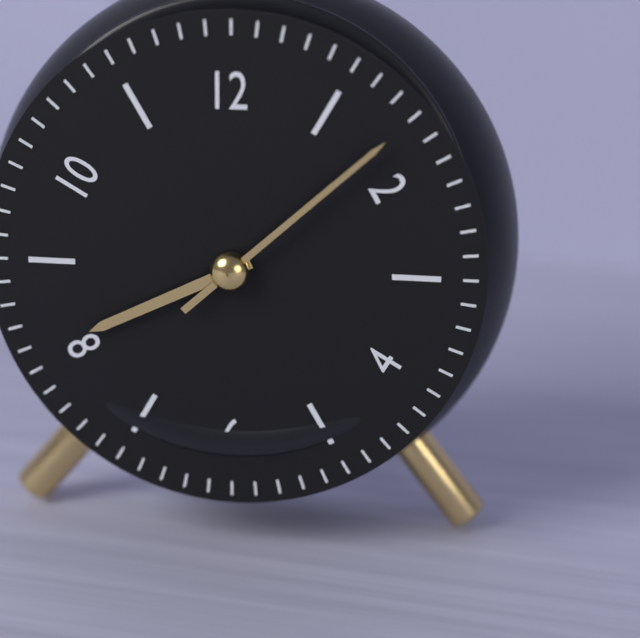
8:08
